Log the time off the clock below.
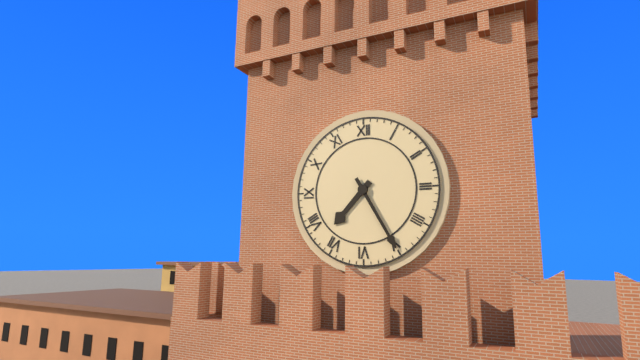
7:25
